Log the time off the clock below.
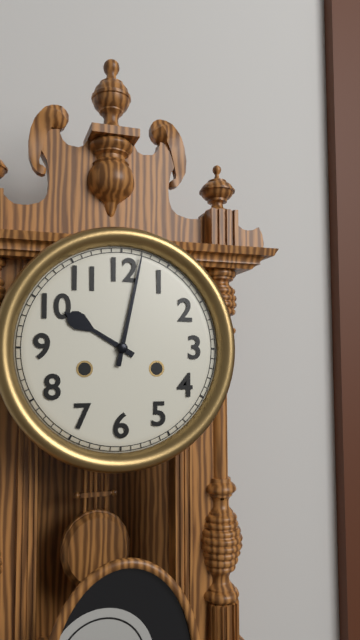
10:02
